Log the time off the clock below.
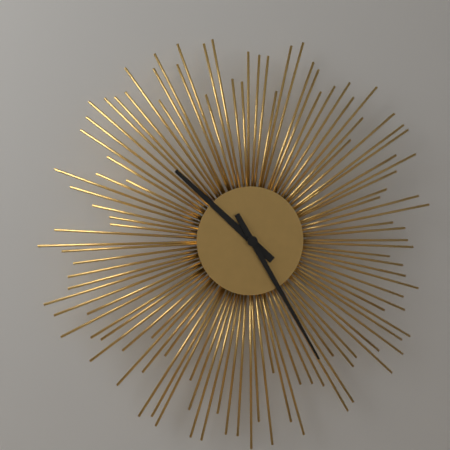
10:25
